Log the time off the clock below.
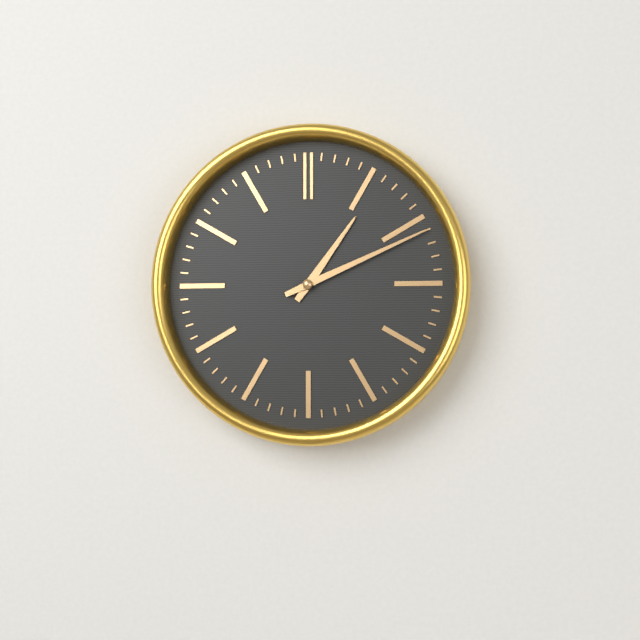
1:11
